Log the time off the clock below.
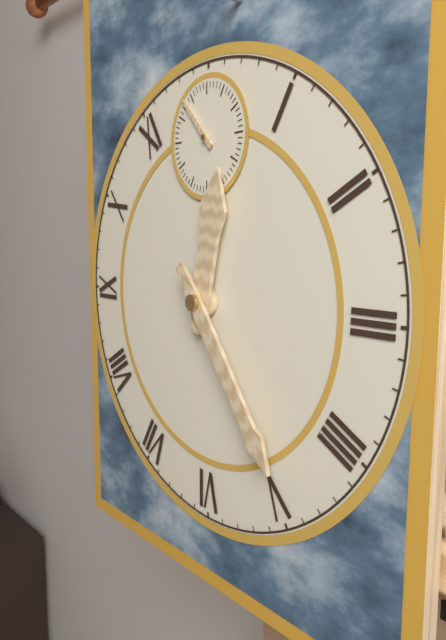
12:24:53
